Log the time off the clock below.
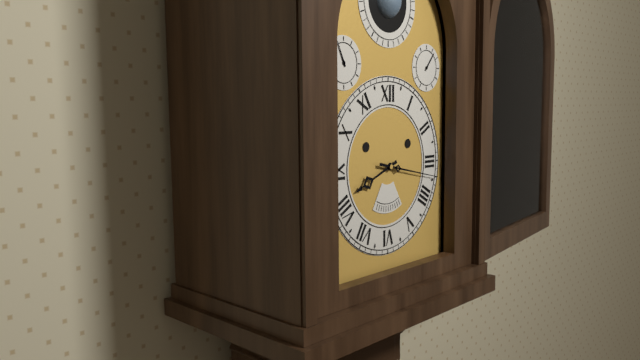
8:17
